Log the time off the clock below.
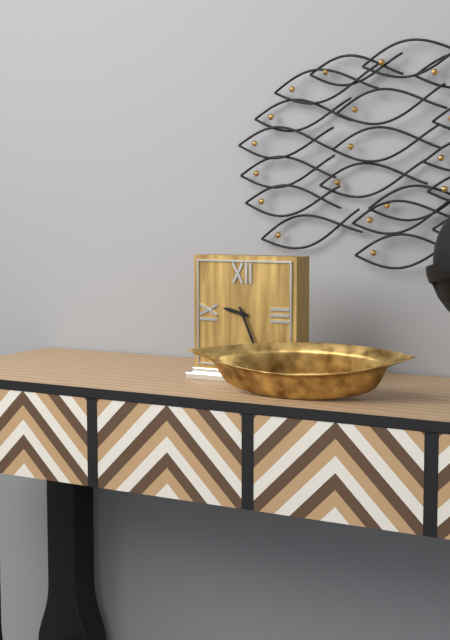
9:26
